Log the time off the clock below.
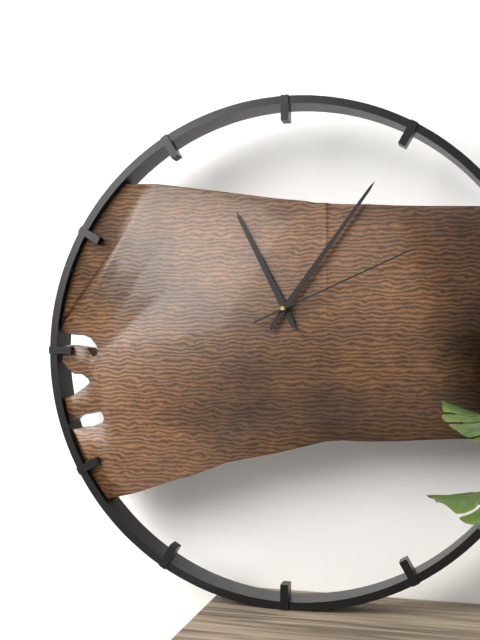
11:06:11
